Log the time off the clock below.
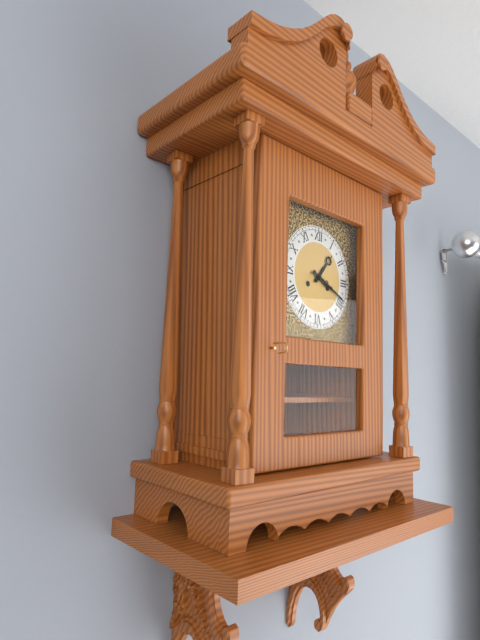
1:19
